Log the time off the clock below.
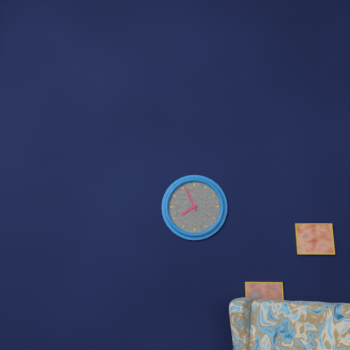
7:56
